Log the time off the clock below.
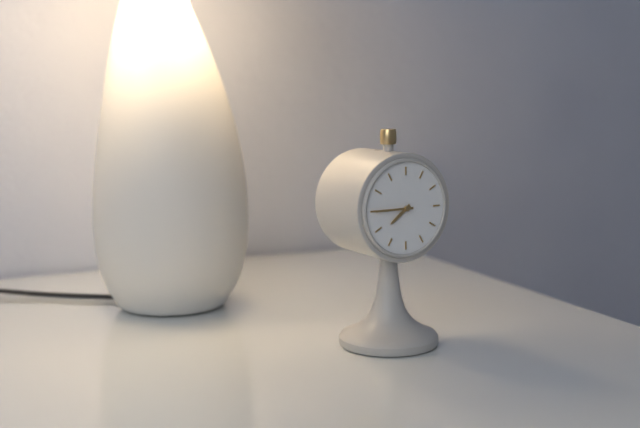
7:45
